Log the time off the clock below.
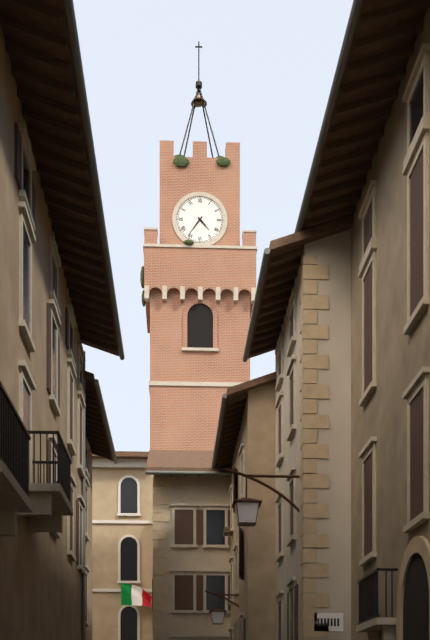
4:36
